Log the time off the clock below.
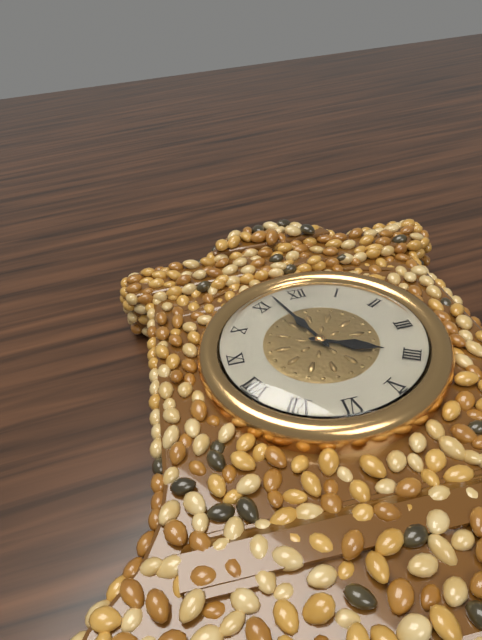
3:57
